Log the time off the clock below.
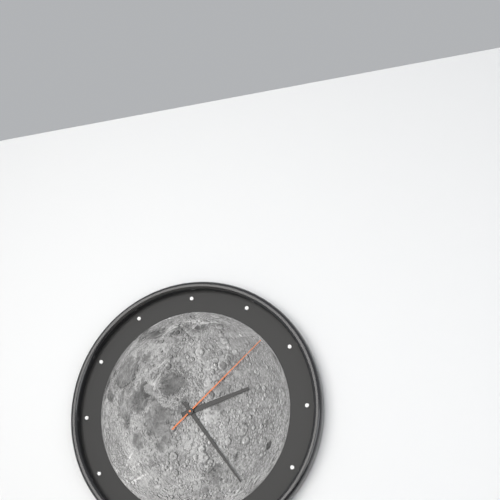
2:24:08
